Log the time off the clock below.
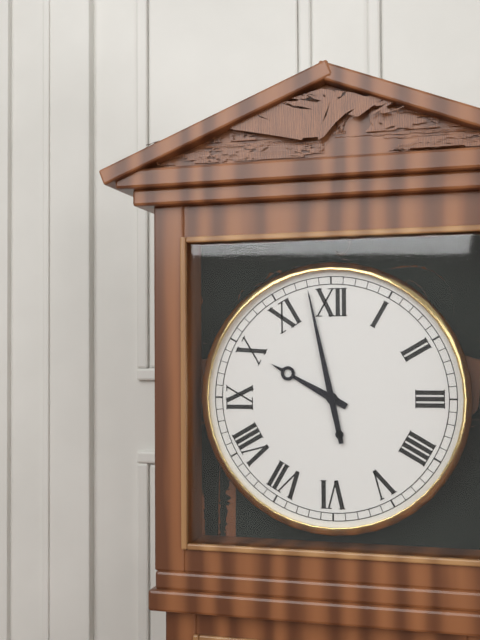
9:58
